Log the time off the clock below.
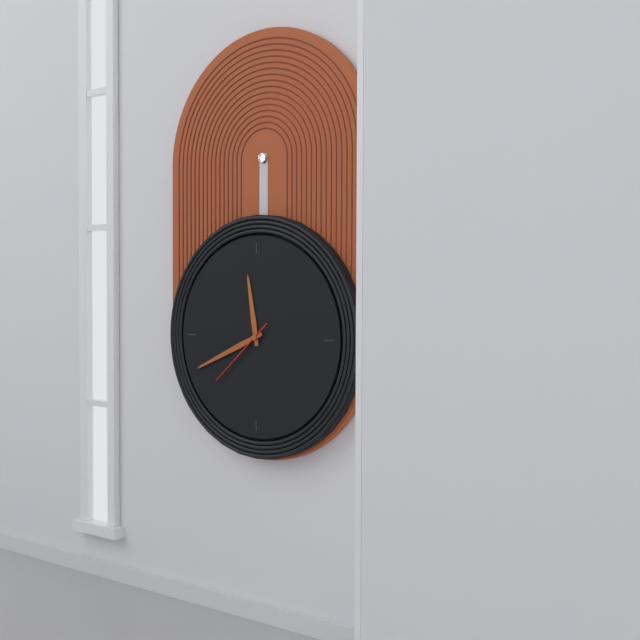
11:41:38
